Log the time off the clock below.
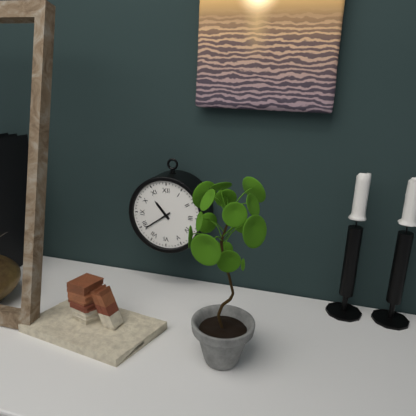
10:39
